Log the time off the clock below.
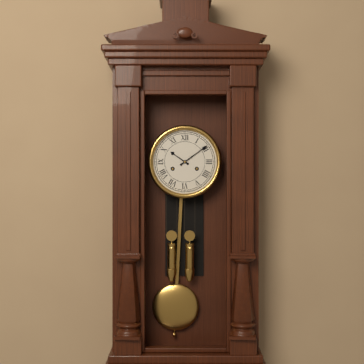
10:09
